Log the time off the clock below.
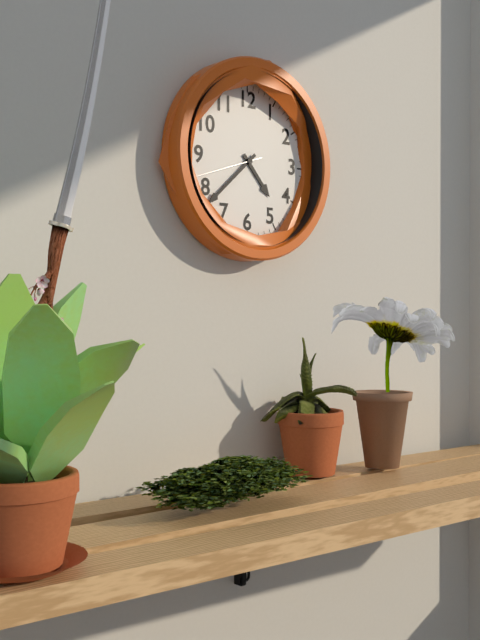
4:38:42
